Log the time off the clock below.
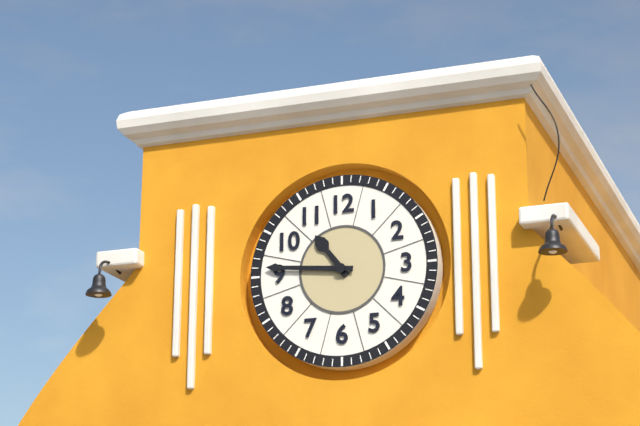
10:46
